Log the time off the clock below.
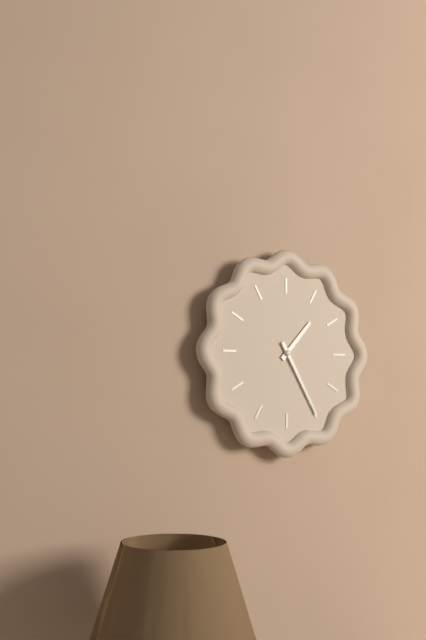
1:25
